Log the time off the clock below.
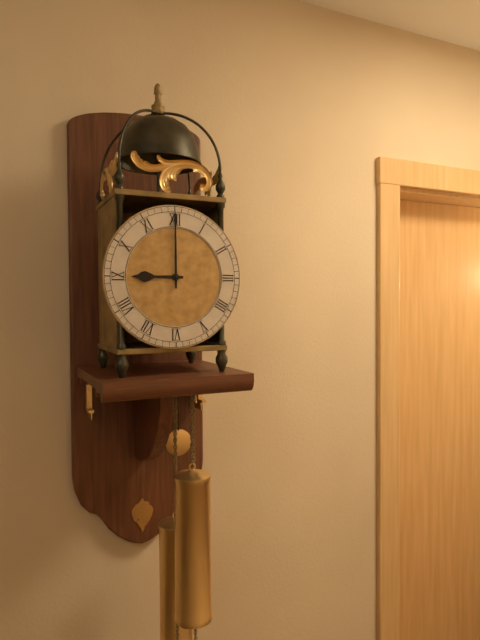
9:00
